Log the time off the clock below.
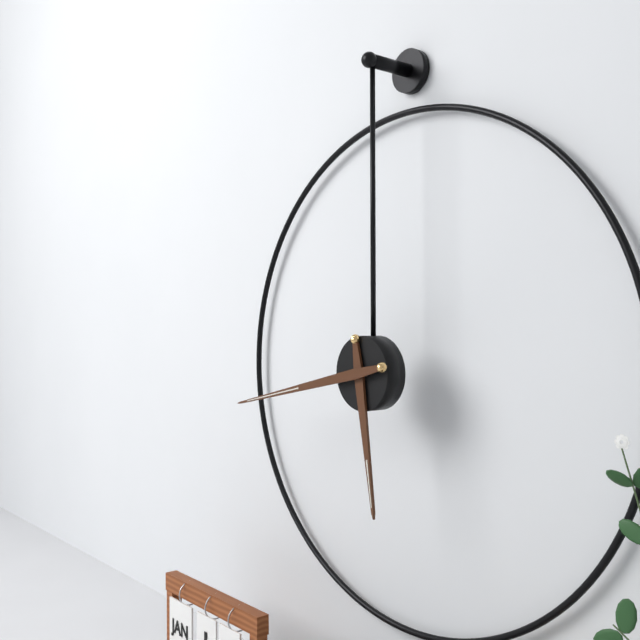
5:43
